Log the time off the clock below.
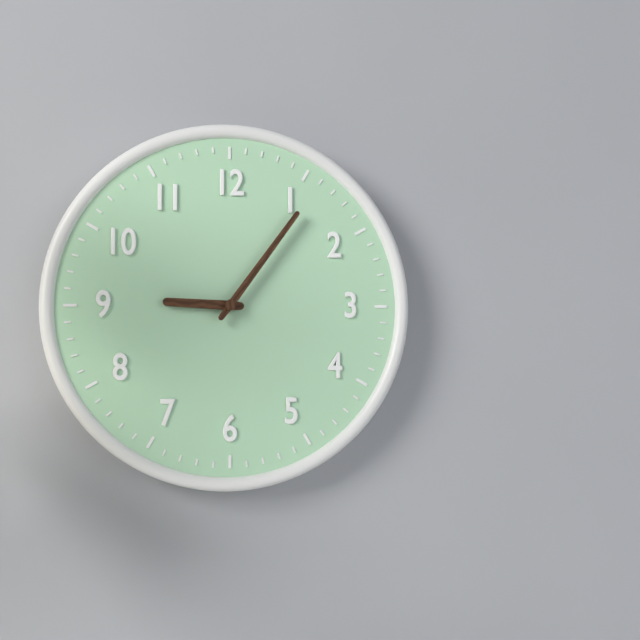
9:06
